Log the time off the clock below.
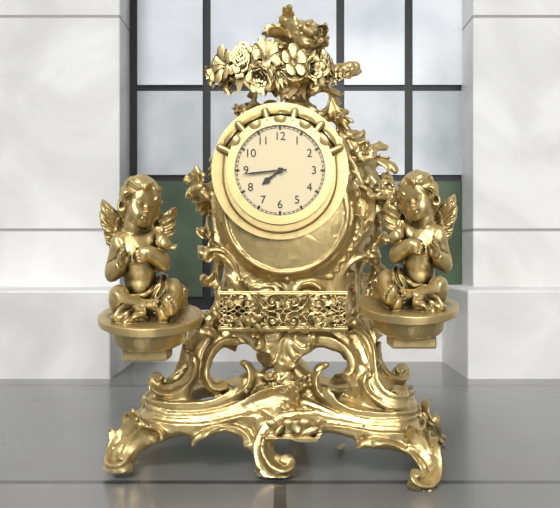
7:44
